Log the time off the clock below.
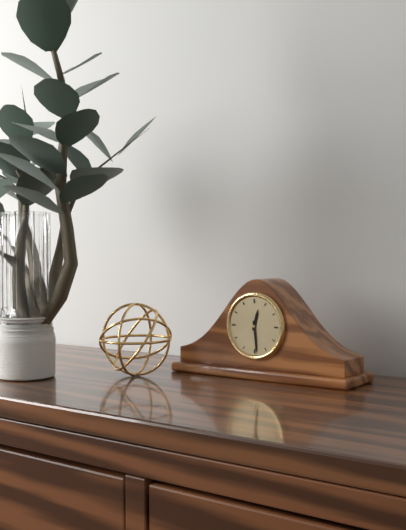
12:29
